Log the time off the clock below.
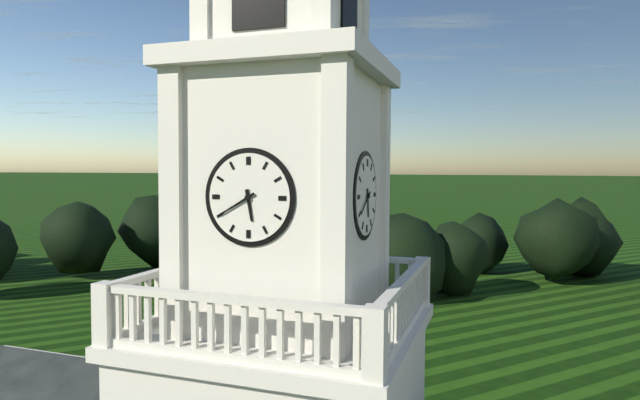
5:40
